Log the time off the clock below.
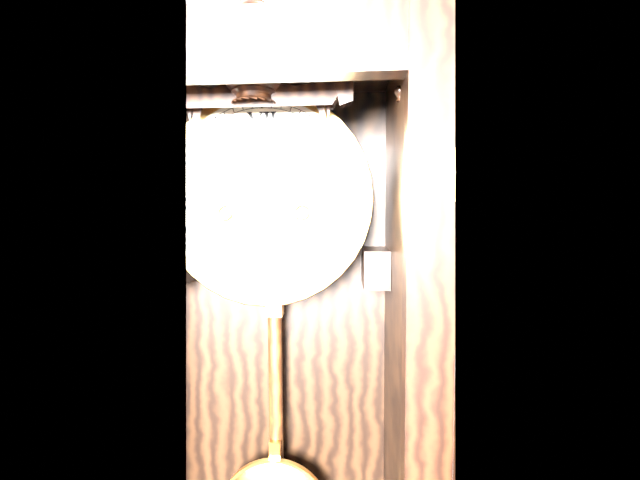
7:28
